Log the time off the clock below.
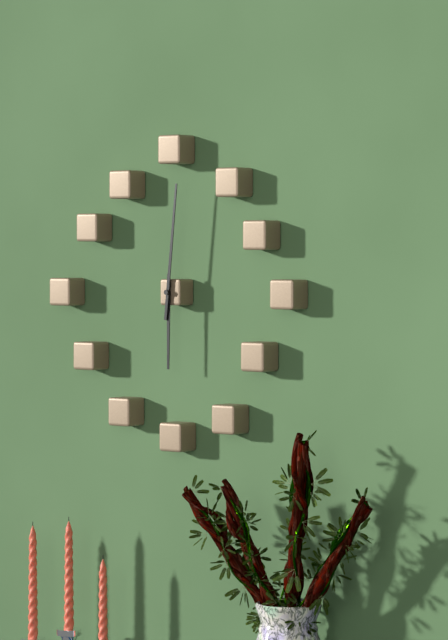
6:01
